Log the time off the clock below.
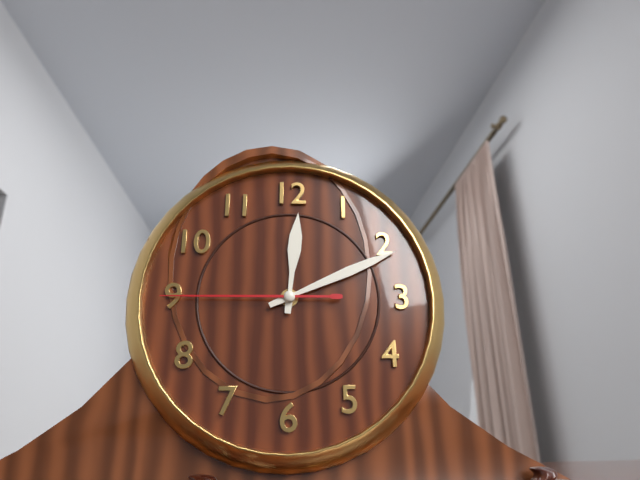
12:11:45
